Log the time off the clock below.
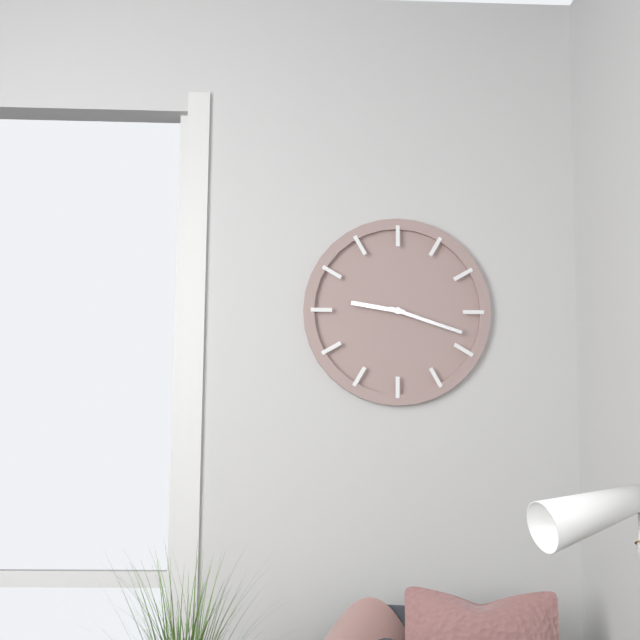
9:18
